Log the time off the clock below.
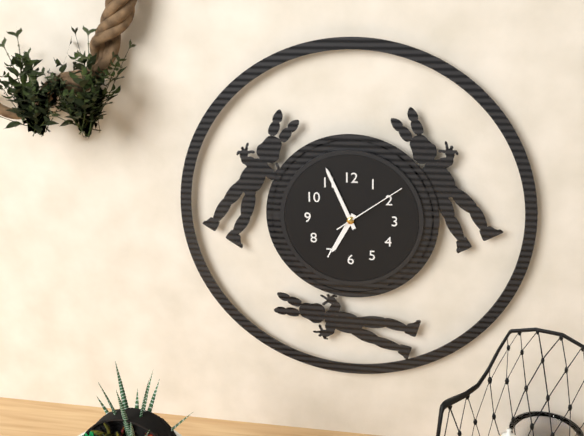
6:56:09
